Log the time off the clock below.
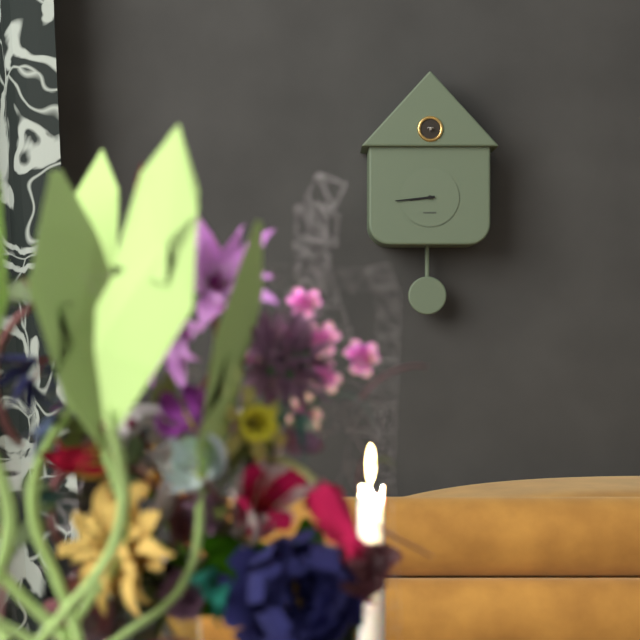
8:44
